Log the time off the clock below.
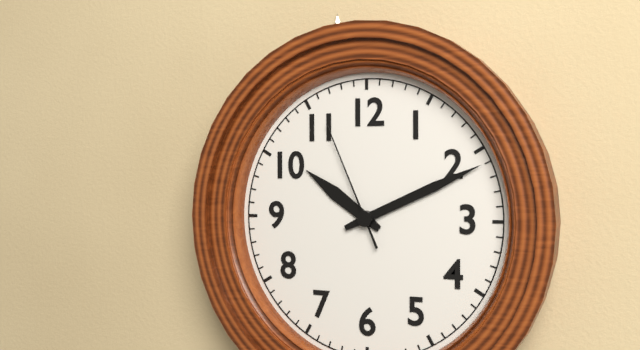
10:11:56
